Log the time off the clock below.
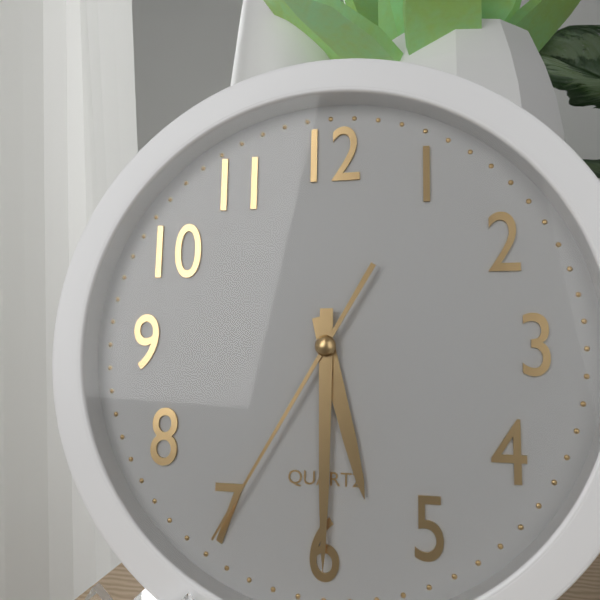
5:30:35
